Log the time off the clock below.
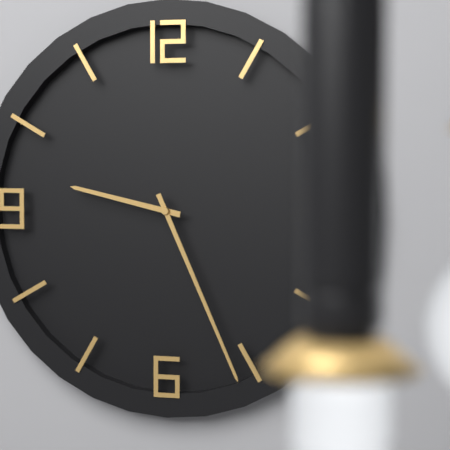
9:26
